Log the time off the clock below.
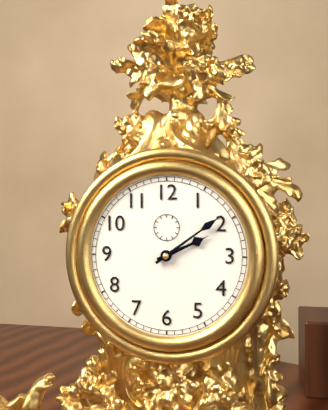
2:09
